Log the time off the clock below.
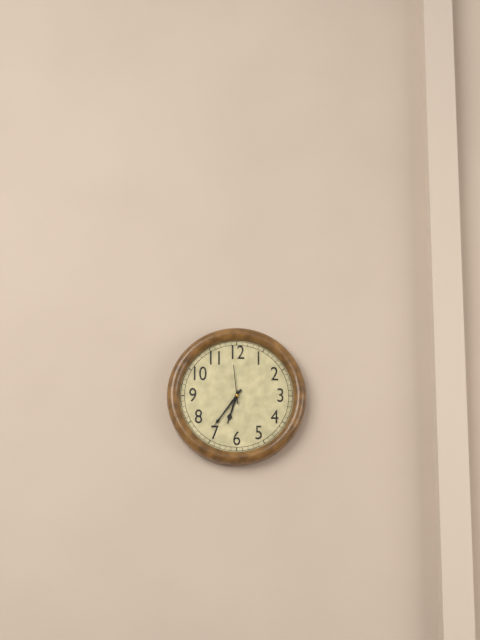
6:36
